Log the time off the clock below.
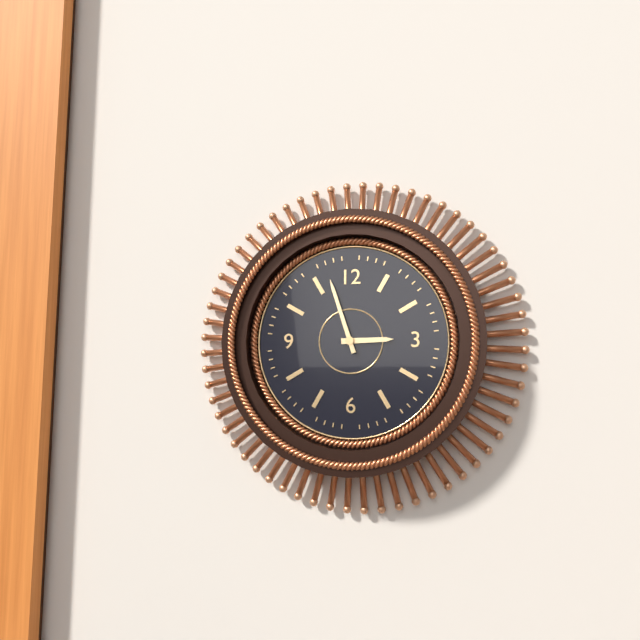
2:57
